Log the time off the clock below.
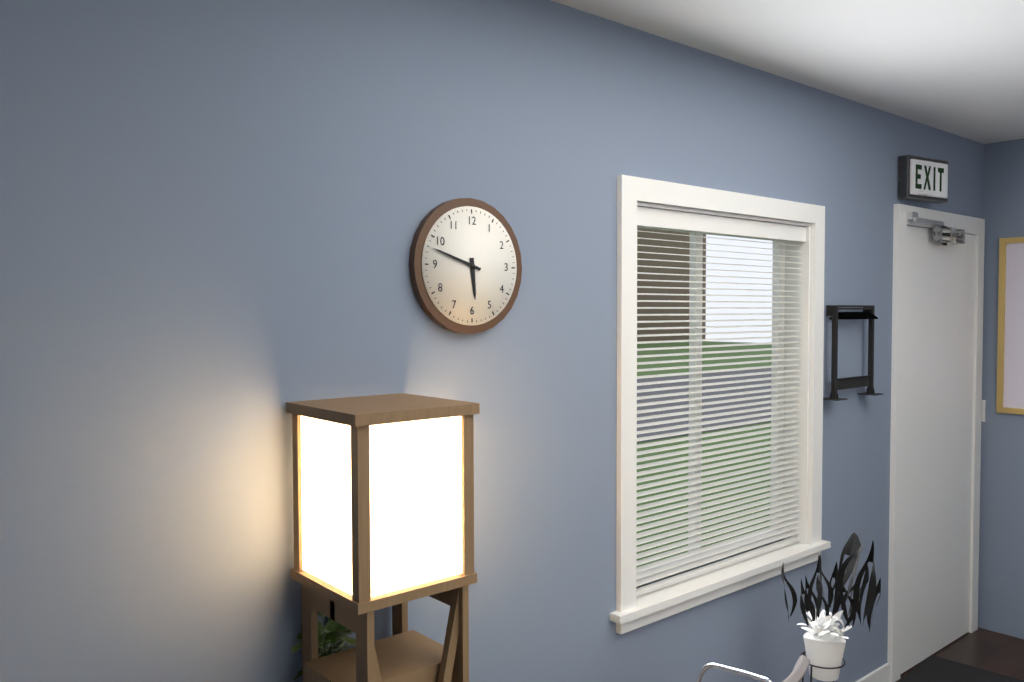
5:48
